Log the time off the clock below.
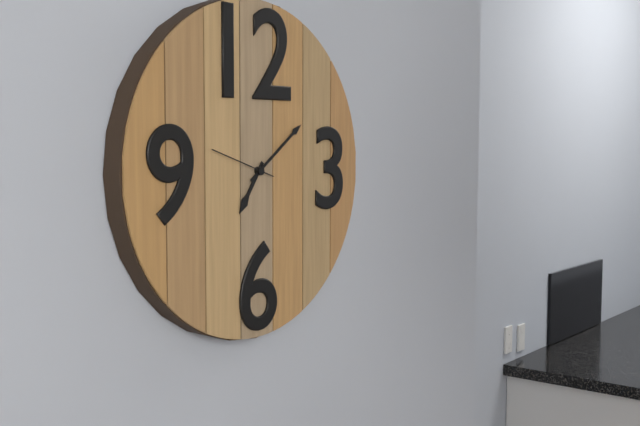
7:09:48
